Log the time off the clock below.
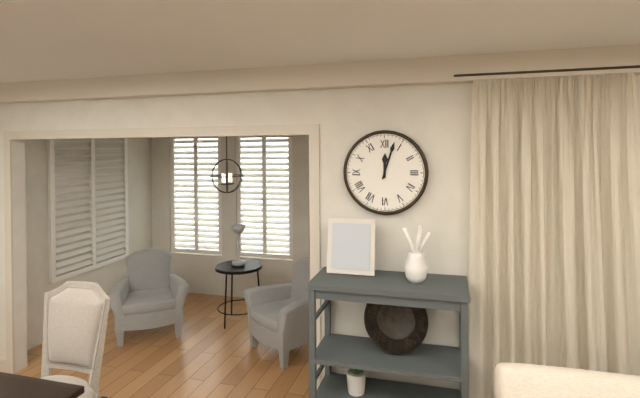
12:03
